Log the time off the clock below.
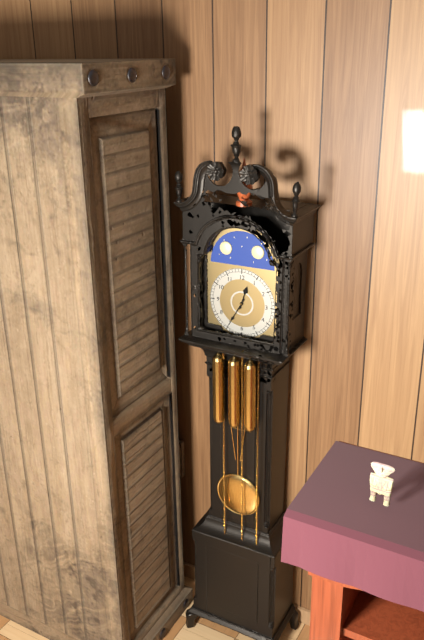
12:35
